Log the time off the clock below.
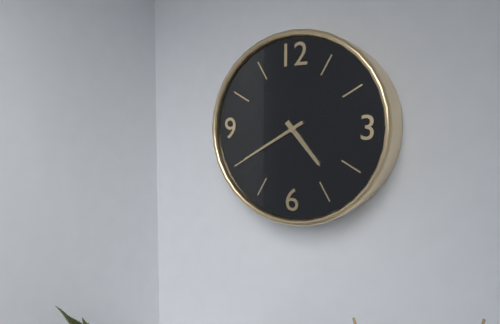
4:40
